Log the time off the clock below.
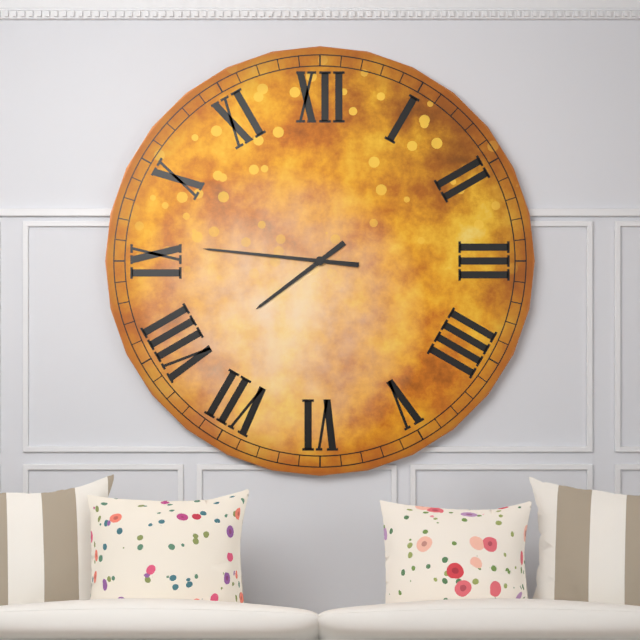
7:46
